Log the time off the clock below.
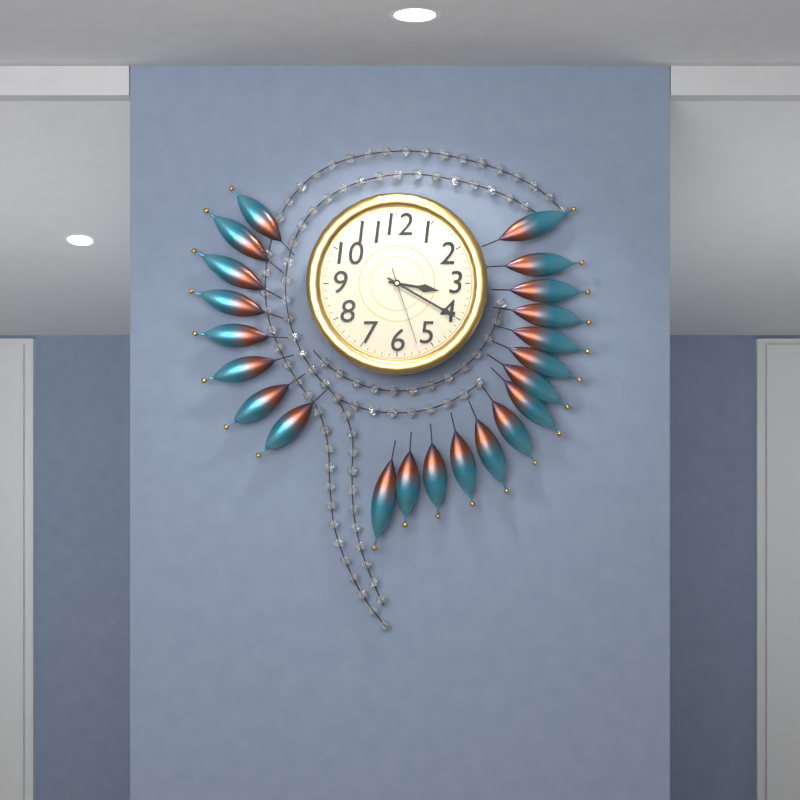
3:20:27
